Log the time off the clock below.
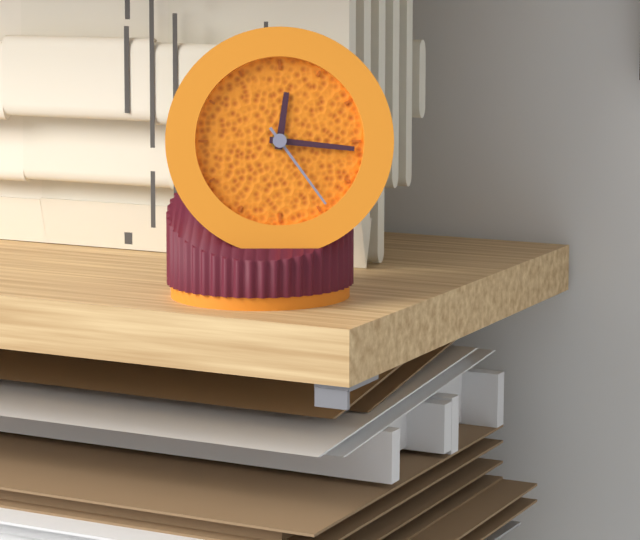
12:16:24
